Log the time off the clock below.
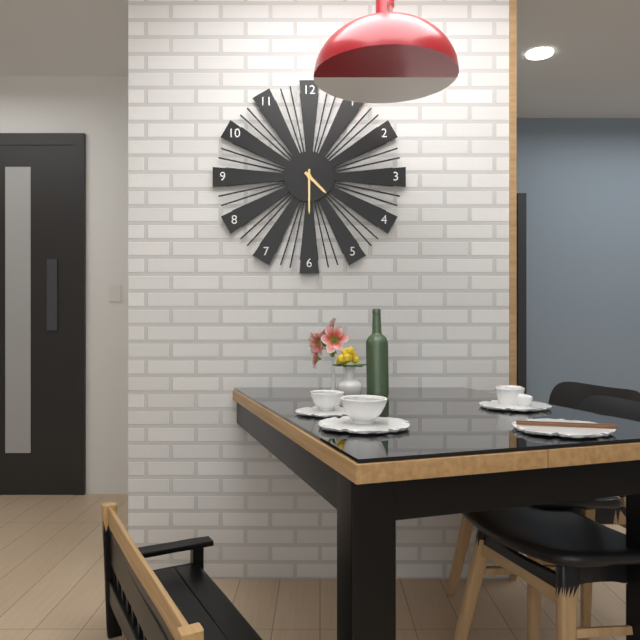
4:30
